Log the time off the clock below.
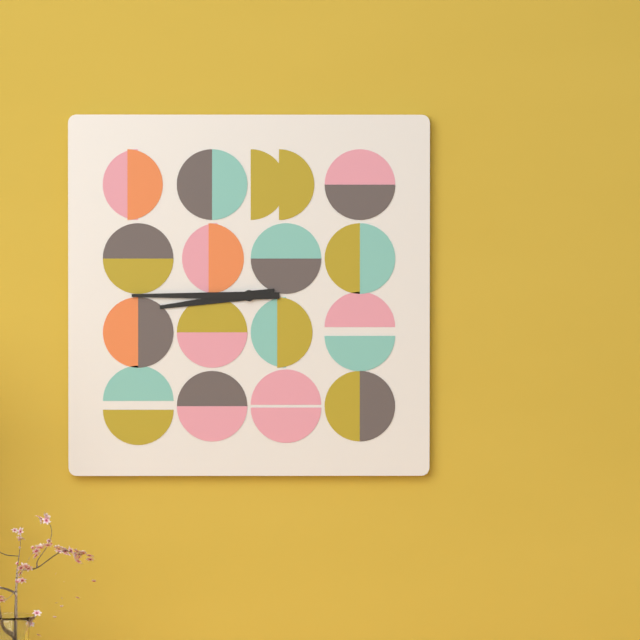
8:45
